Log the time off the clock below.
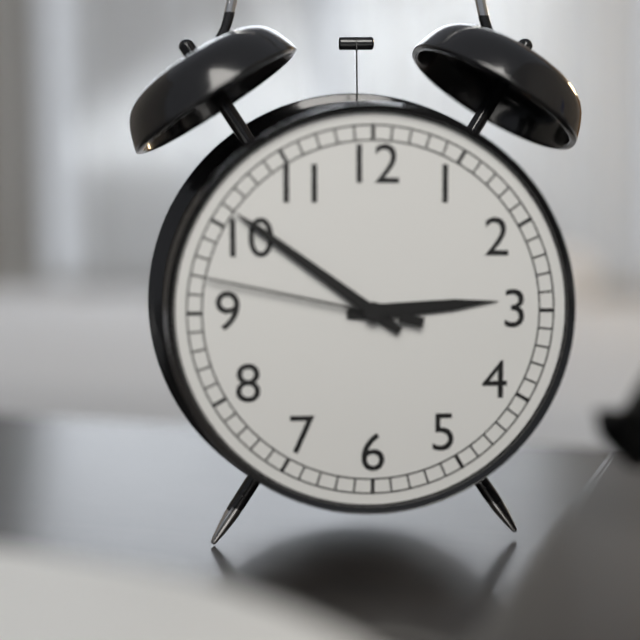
2:51:47
